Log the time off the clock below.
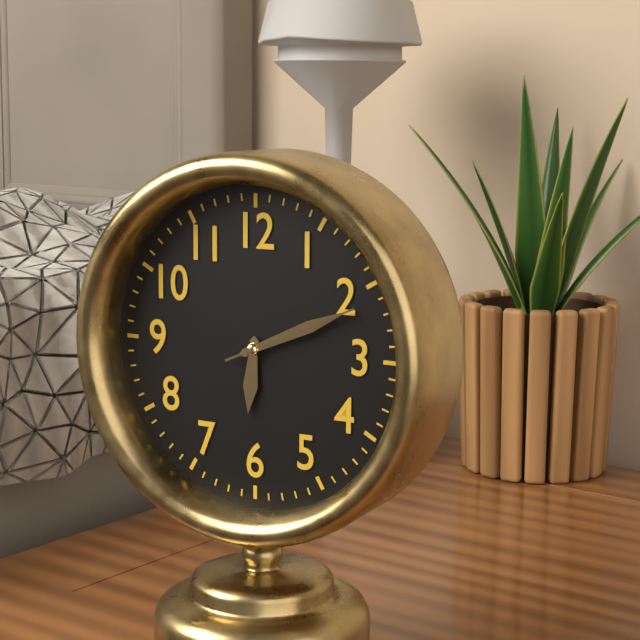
6:11:11
